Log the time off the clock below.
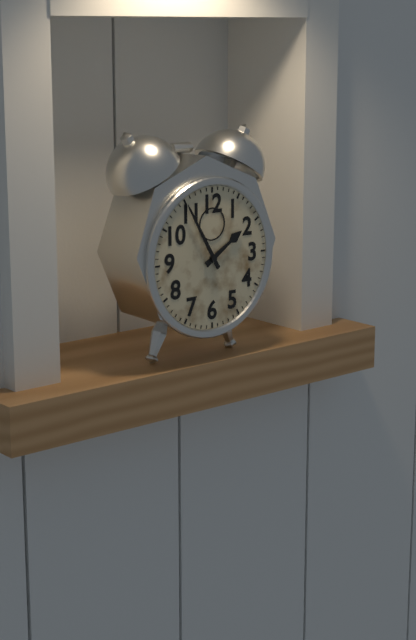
1:55
